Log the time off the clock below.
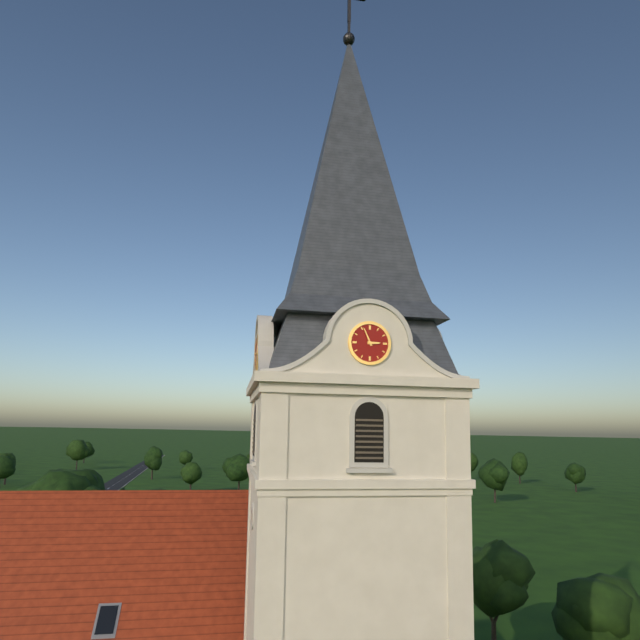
2:56
